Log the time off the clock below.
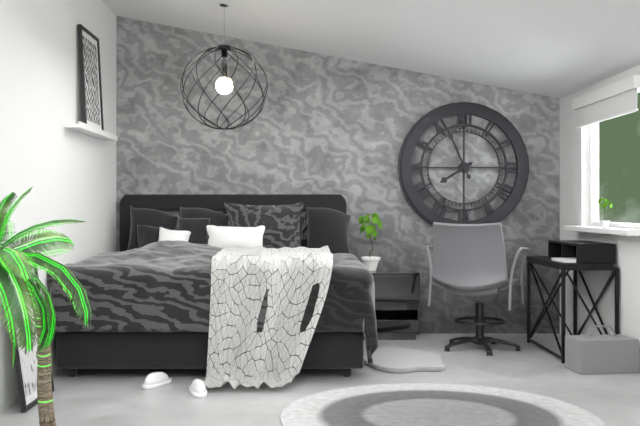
7:56
